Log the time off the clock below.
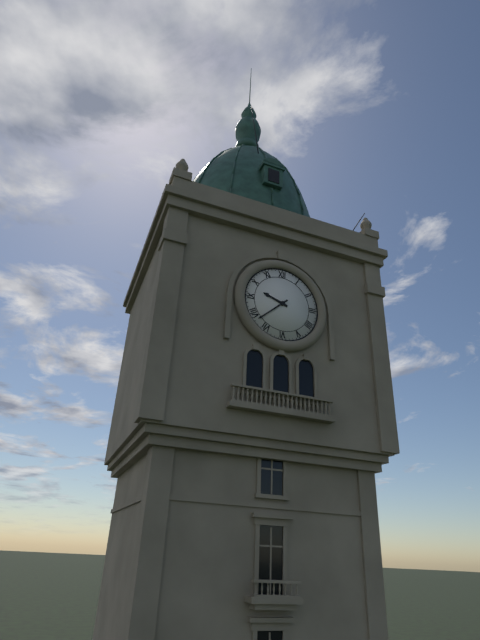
9:38
